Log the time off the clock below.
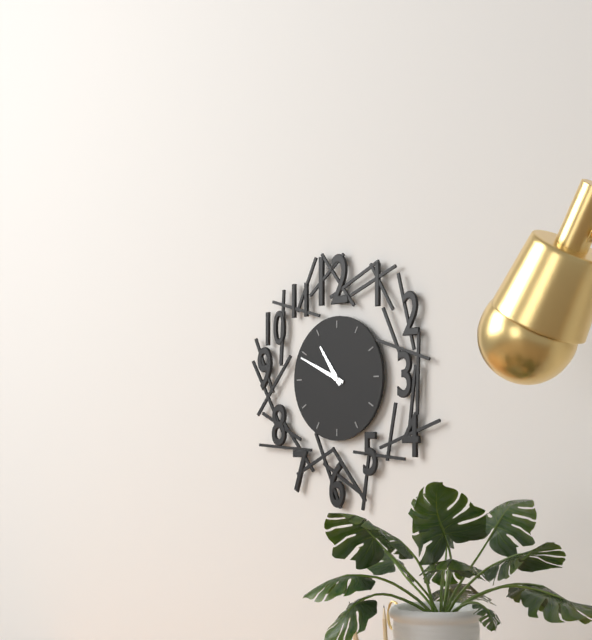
10:49
